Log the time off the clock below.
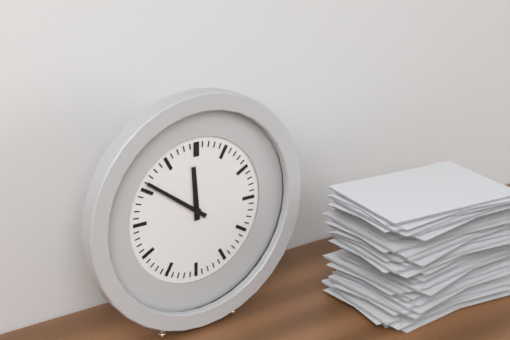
11:51
